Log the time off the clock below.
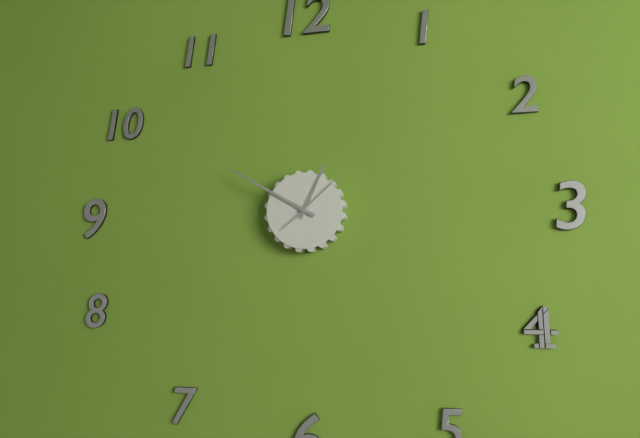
12:50:08
